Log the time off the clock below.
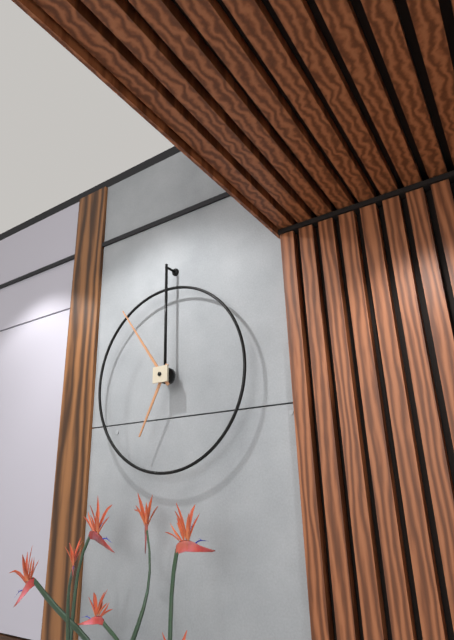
6:54
